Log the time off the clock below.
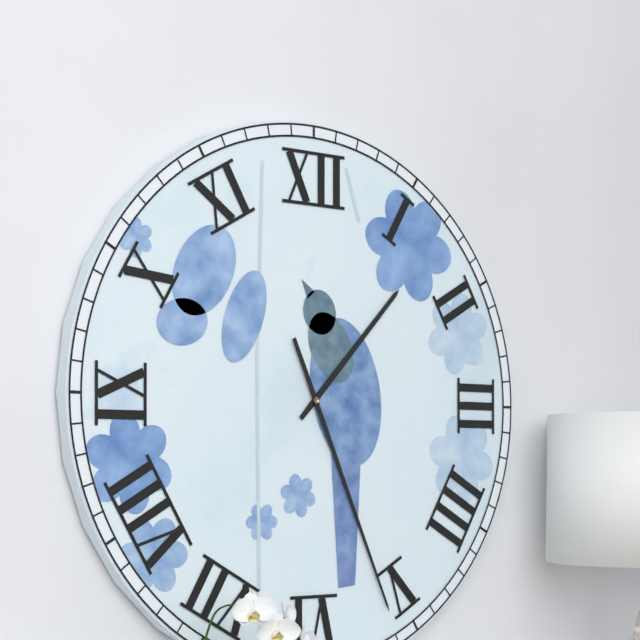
1:26
